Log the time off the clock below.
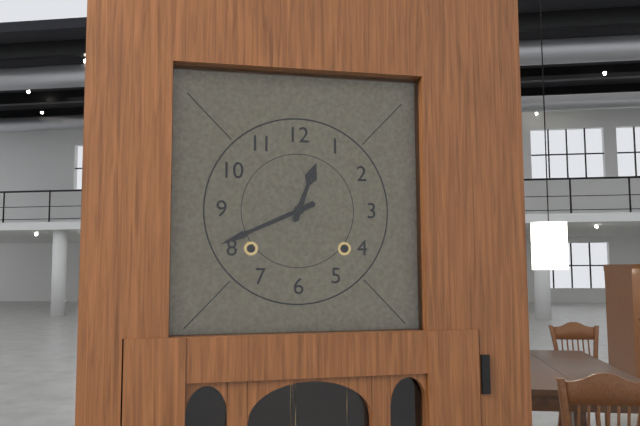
12:41
